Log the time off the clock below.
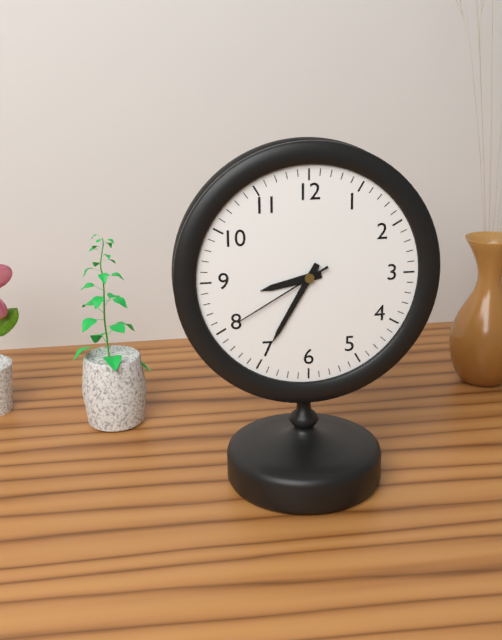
8:35:40
